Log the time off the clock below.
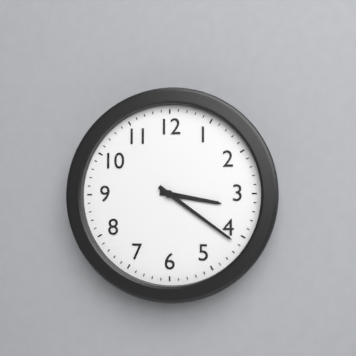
3:21
